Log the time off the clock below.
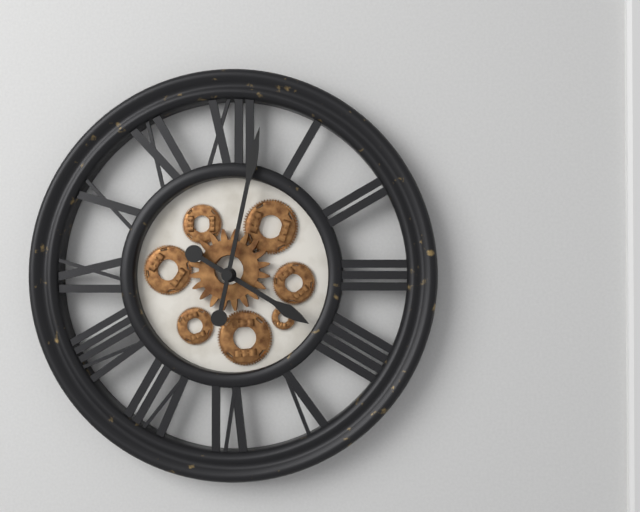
4:02
